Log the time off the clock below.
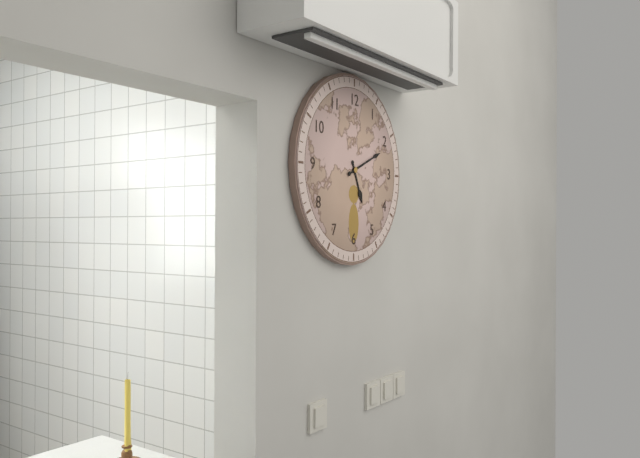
5:11
